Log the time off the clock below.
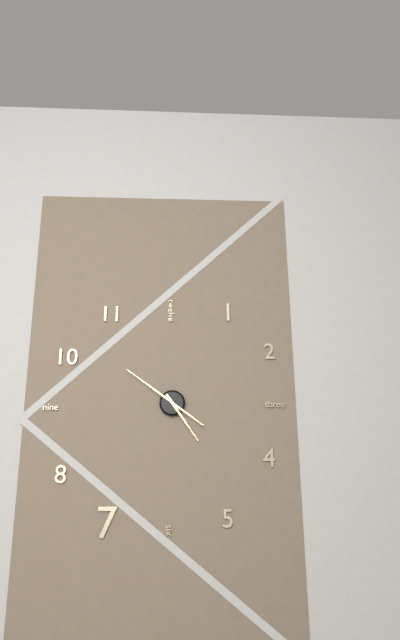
4:51
